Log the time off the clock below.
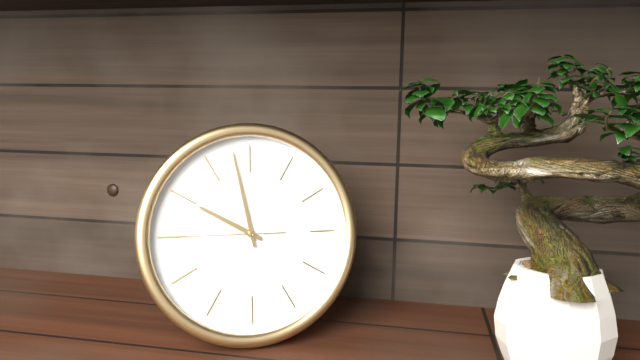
9:58:45
